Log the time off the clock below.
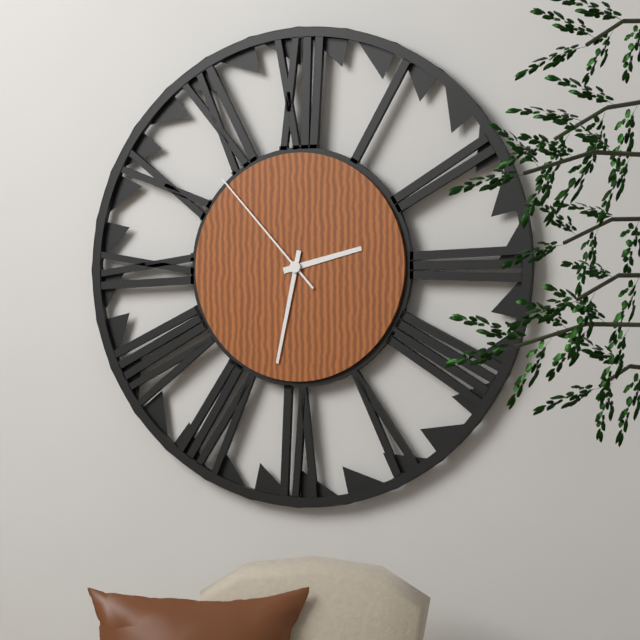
2:32:53
